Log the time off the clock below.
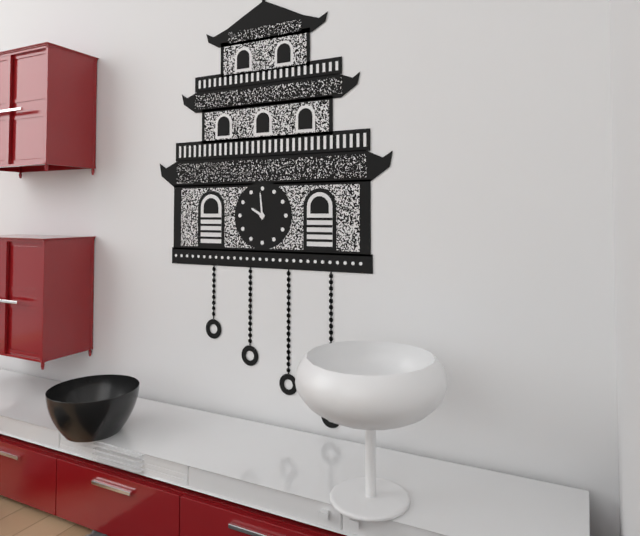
9:59
